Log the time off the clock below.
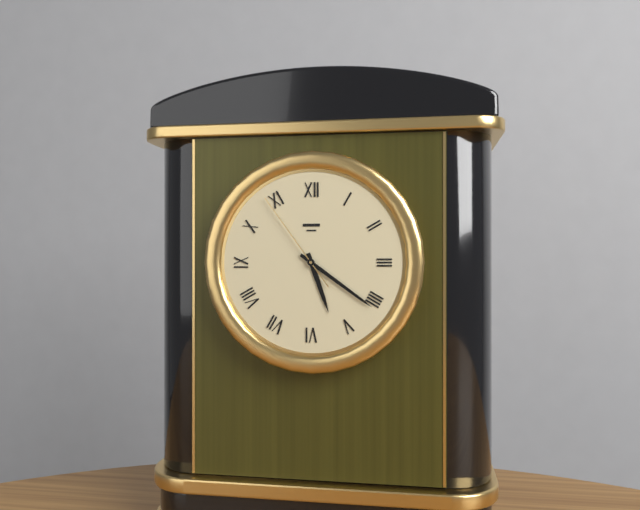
5:21:54
